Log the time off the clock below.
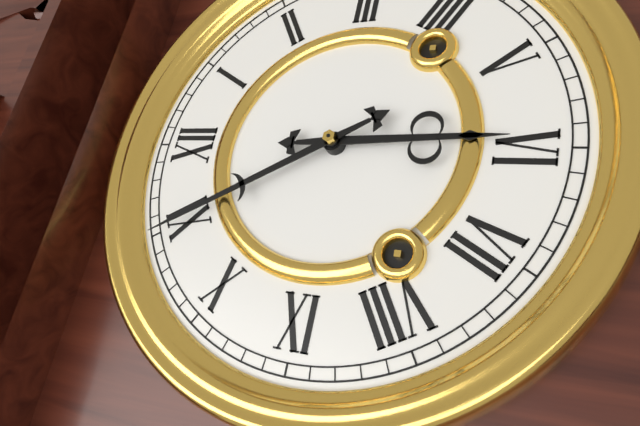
5:55
